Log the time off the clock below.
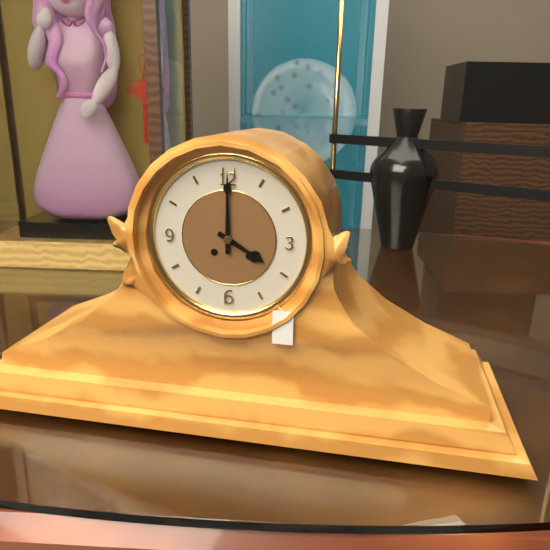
4:00
